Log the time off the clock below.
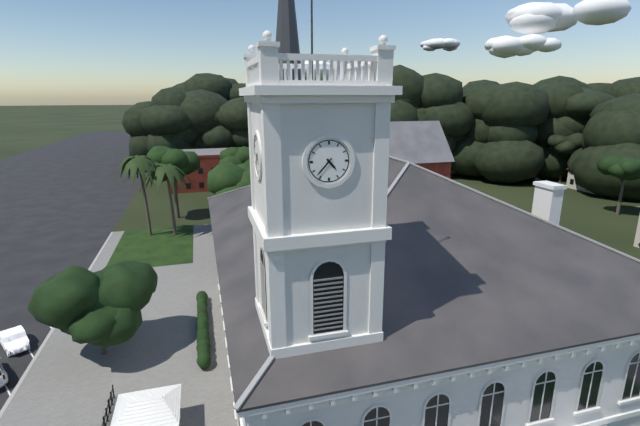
4:37
